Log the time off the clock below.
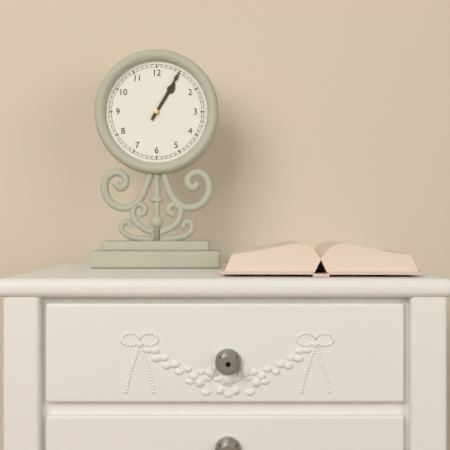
1:05
